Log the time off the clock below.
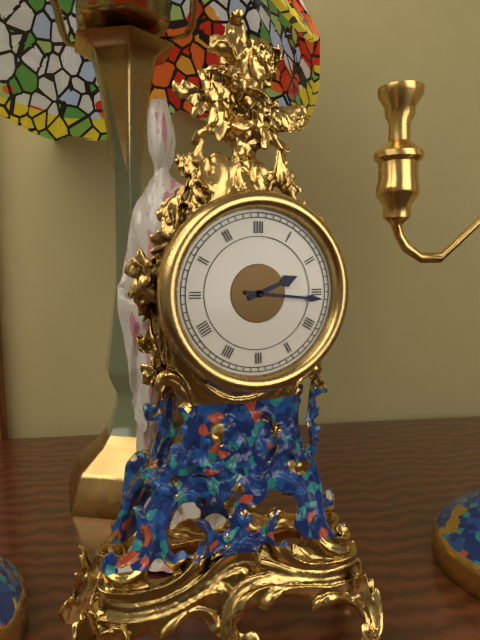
2:16
